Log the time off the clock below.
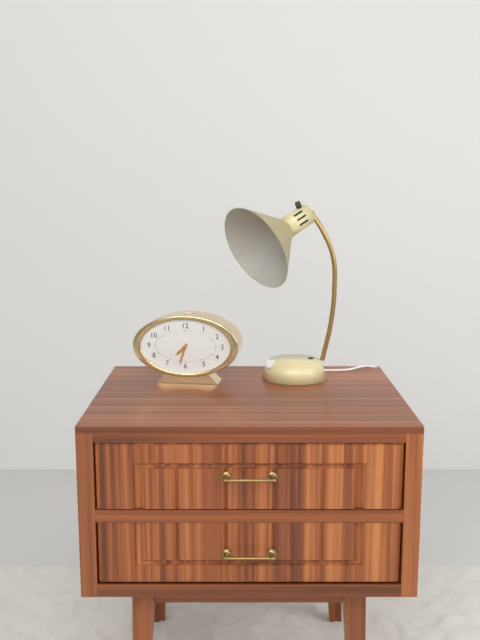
7:33
